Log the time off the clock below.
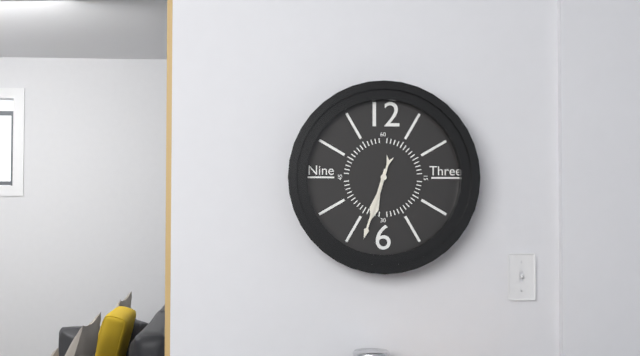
6:33
